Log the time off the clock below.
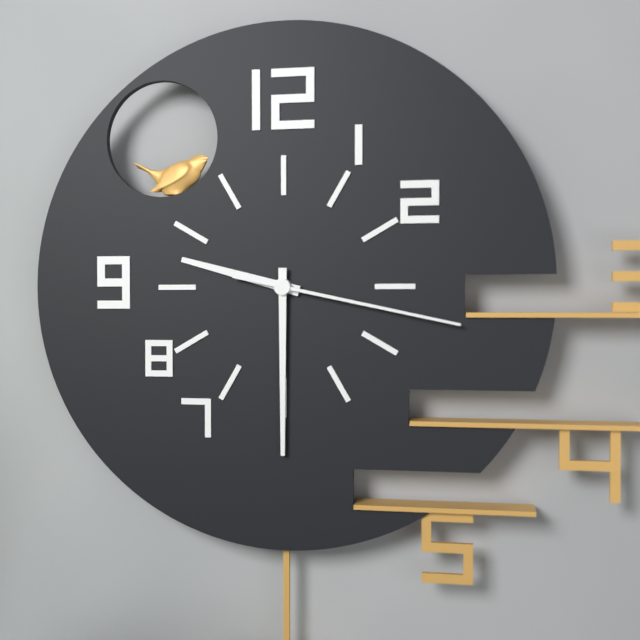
9:30:17
